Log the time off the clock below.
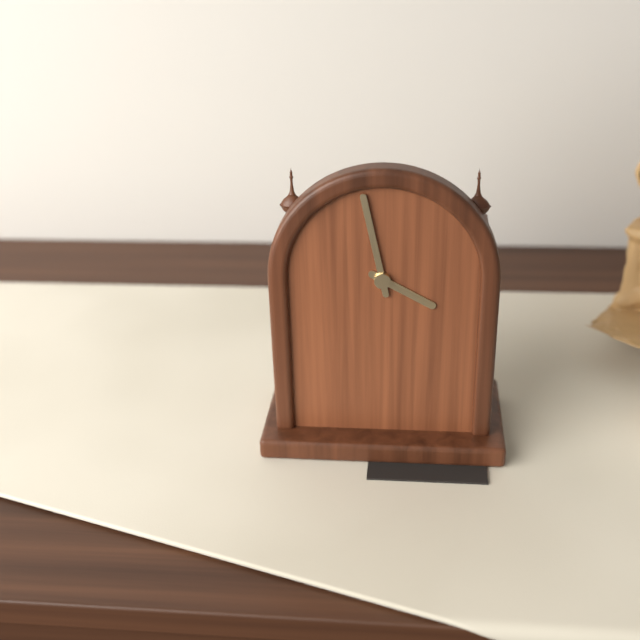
3:58
